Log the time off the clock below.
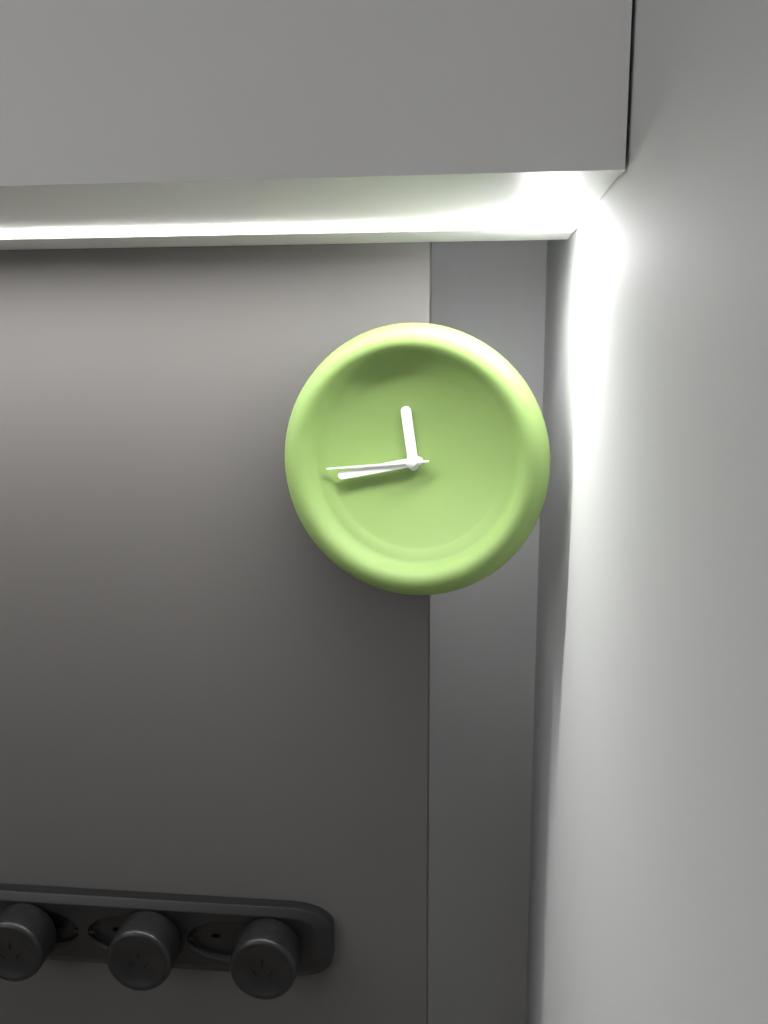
11:43:44
